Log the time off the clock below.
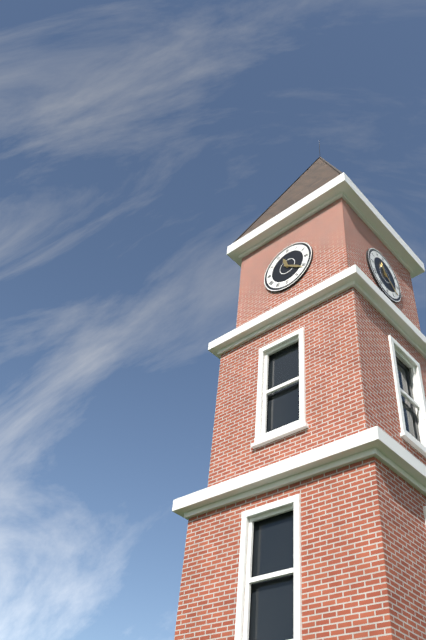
11:21
